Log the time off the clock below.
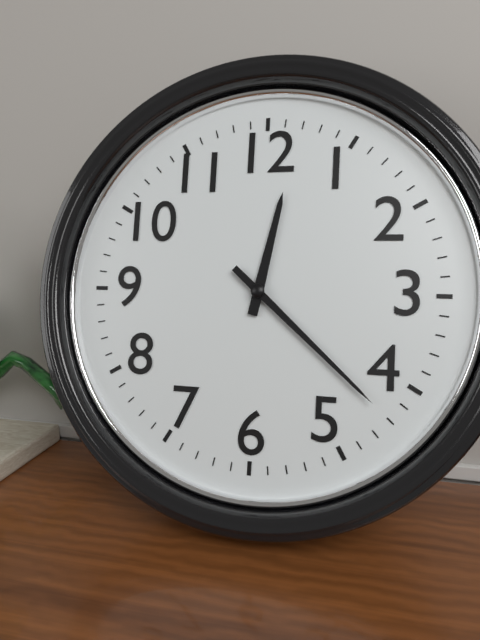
12:22
